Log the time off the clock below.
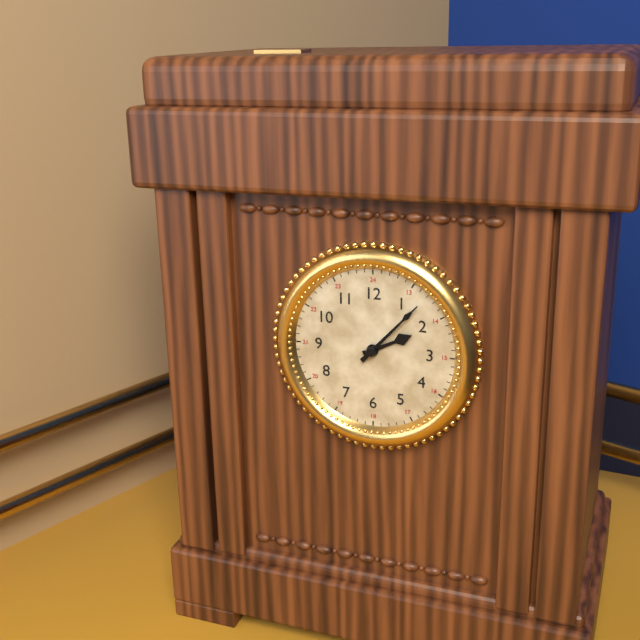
2:07
